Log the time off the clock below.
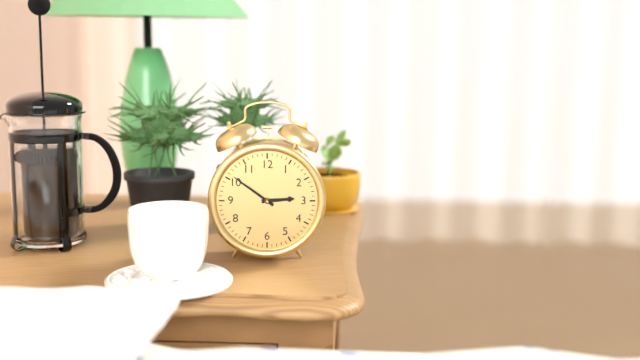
2:51
